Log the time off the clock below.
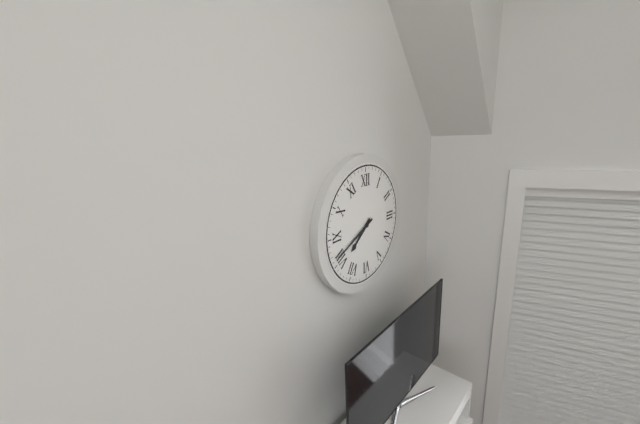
7:41
